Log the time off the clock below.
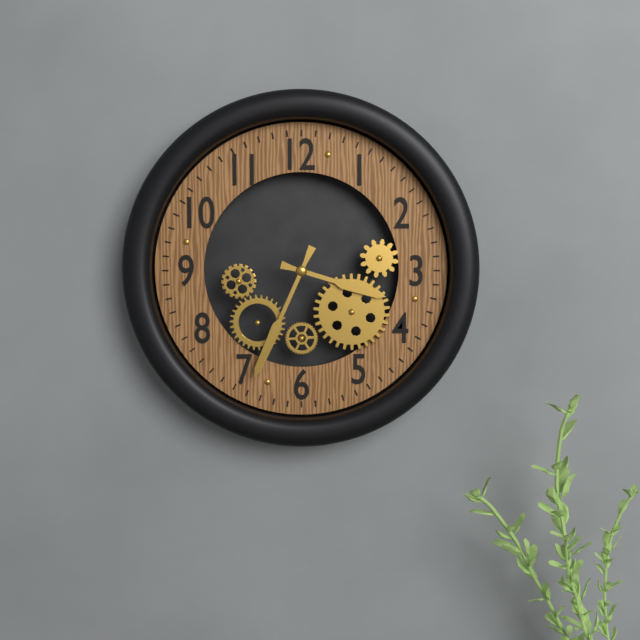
3:34
